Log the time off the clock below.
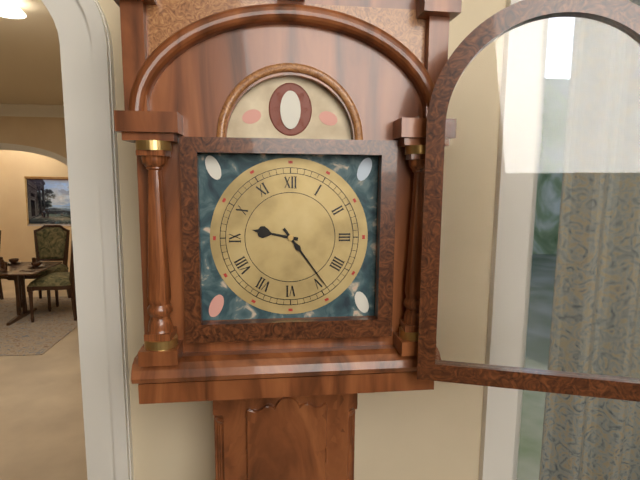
9:24
